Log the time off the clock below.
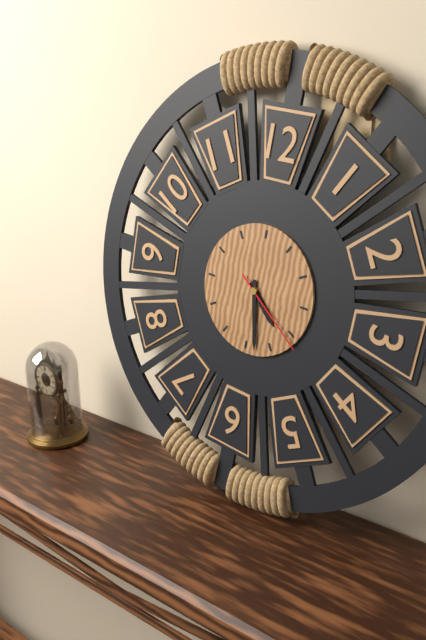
4:28:21
